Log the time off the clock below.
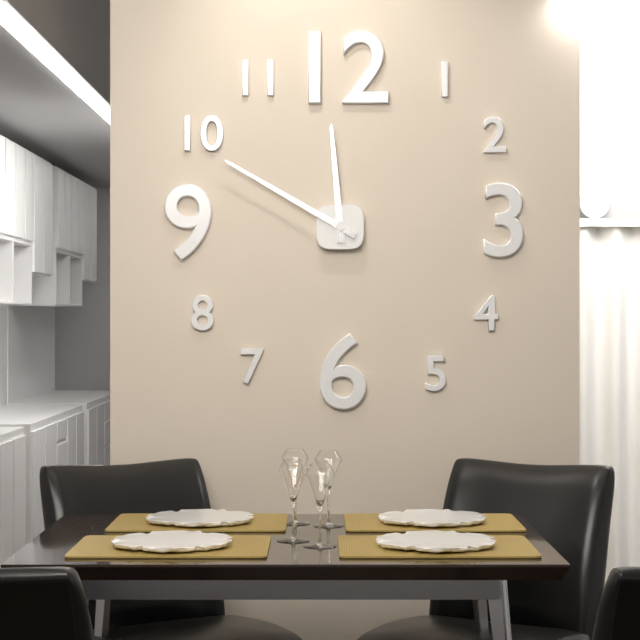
11:50
